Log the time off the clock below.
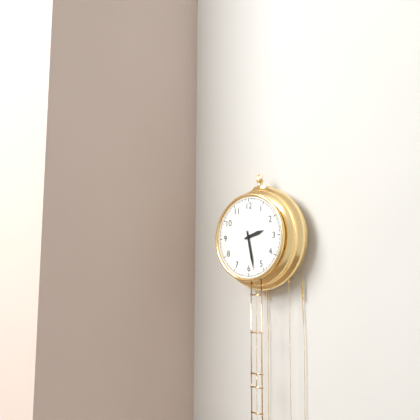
2:28
